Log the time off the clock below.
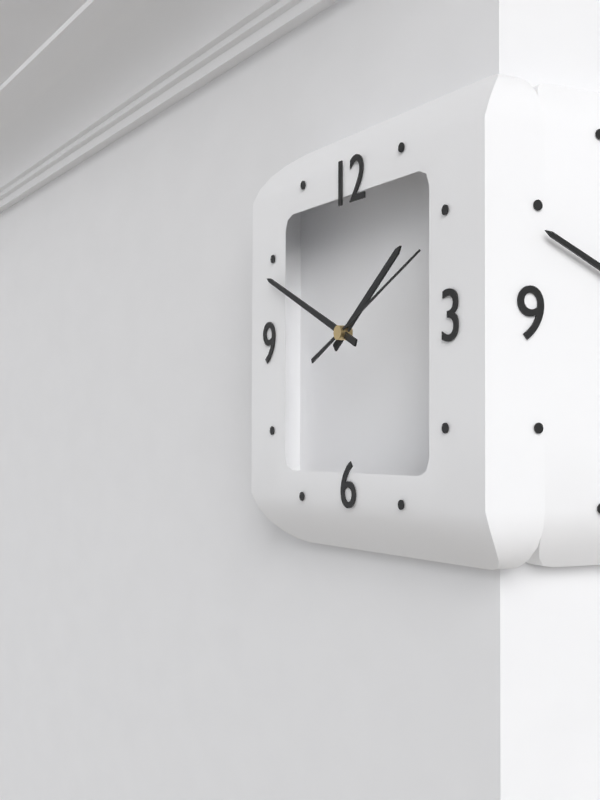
1:49:11
